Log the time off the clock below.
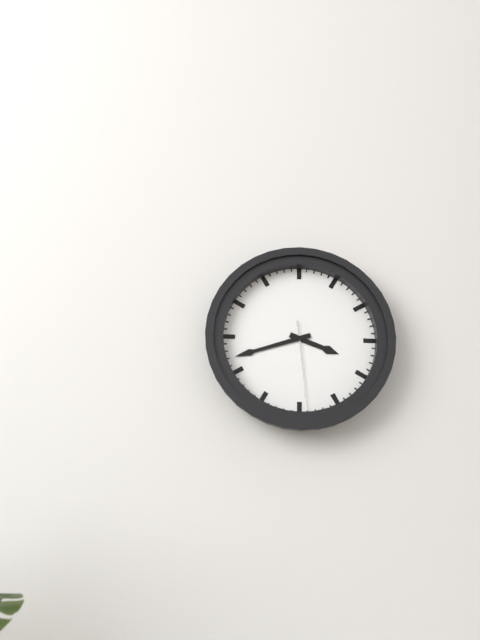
3:42:29
